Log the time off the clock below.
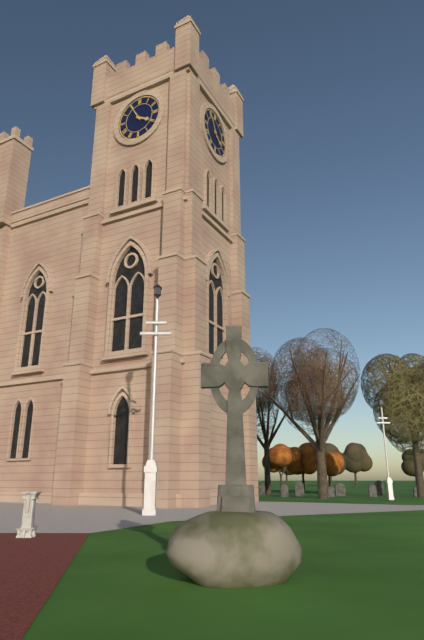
3:55
